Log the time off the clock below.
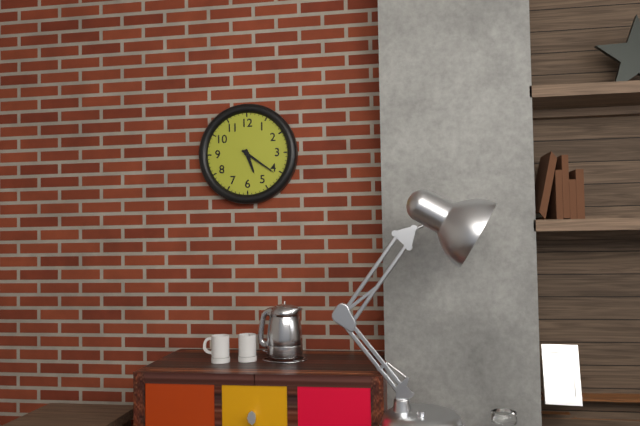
5:21
